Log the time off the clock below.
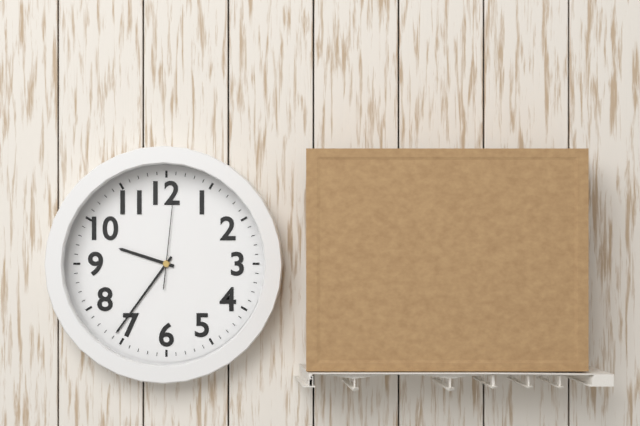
9:36:01
